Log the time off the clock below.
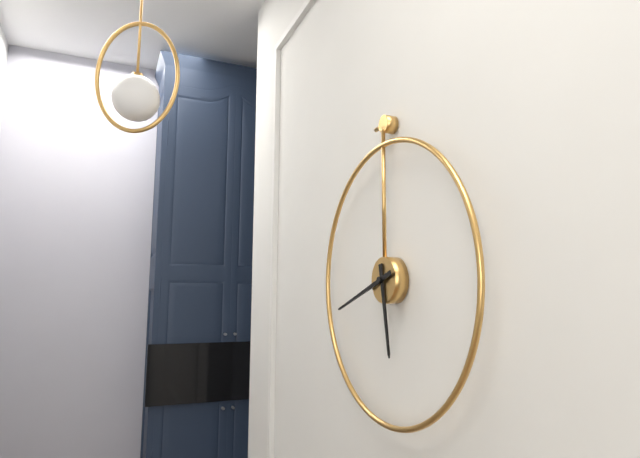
5:42
